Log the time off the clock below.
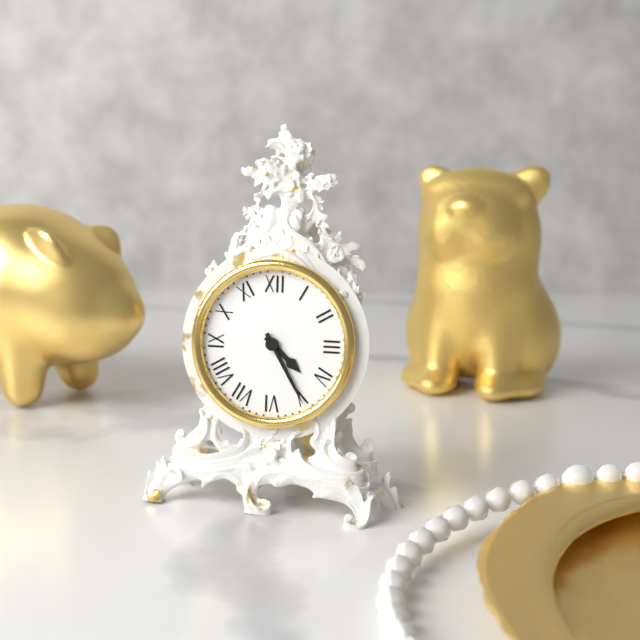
4:25
